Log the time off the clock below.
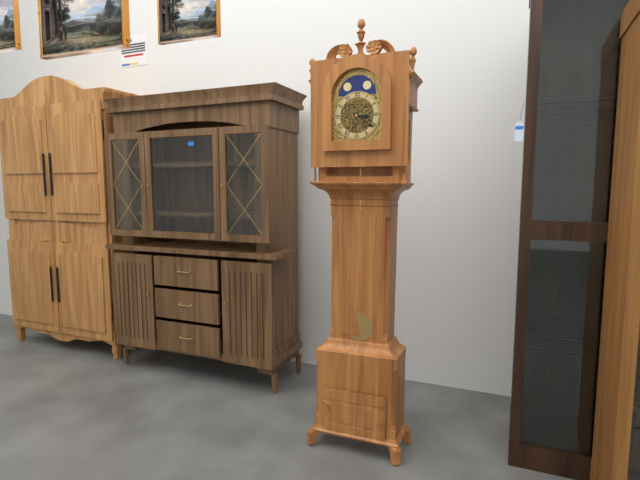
3:21
